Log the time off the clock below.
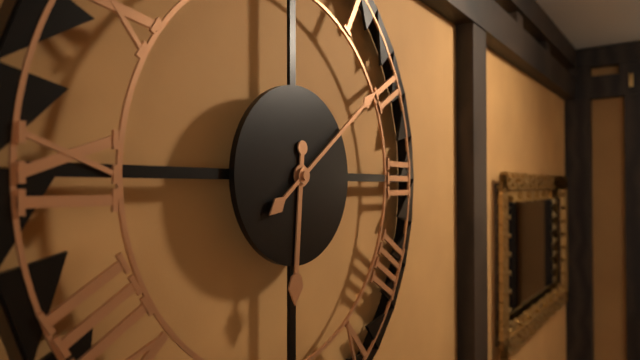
6:09
